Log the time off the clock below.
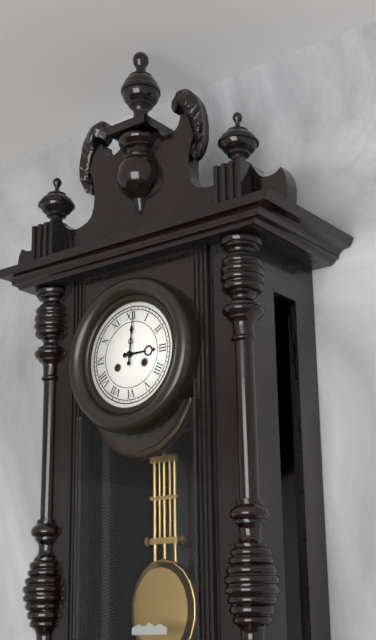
3:01
